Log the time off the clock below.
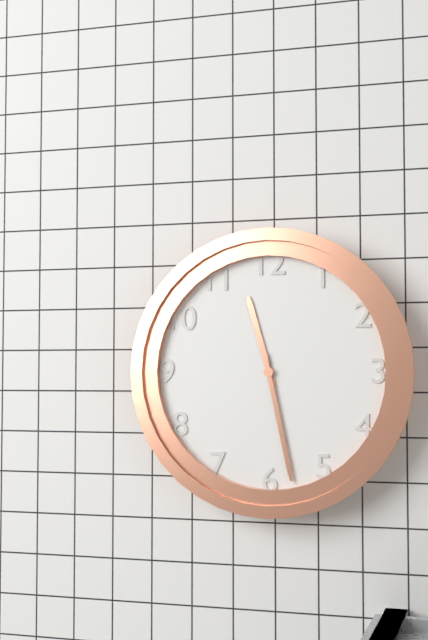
11:28
